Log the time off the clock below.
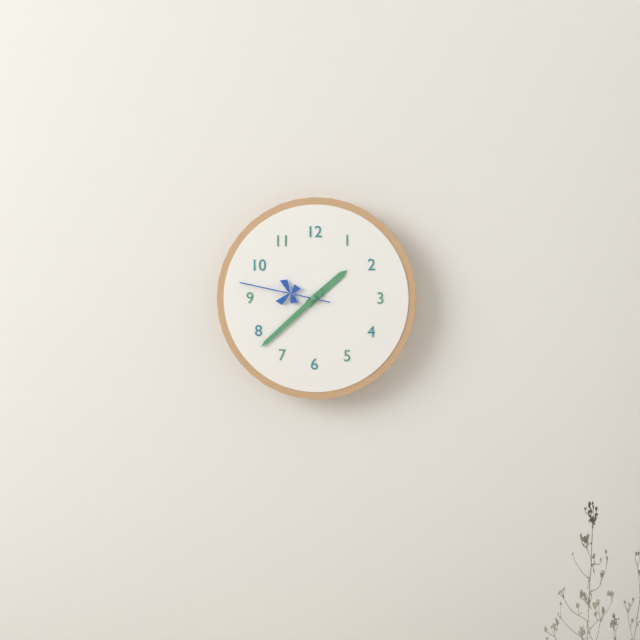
1:38:47
